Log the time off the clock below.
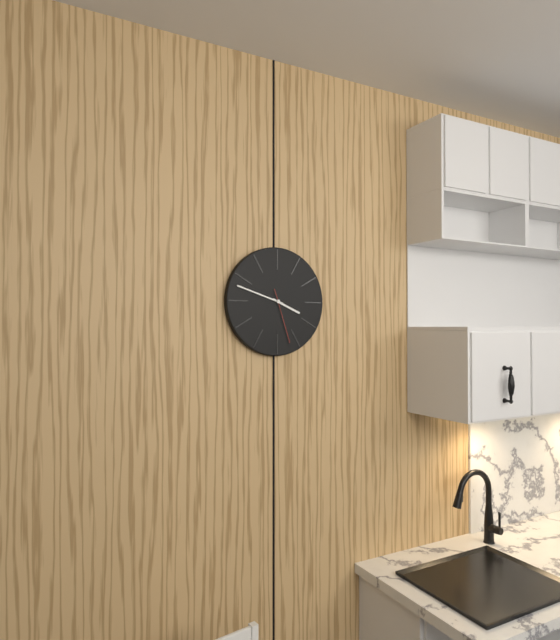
3:48:27
